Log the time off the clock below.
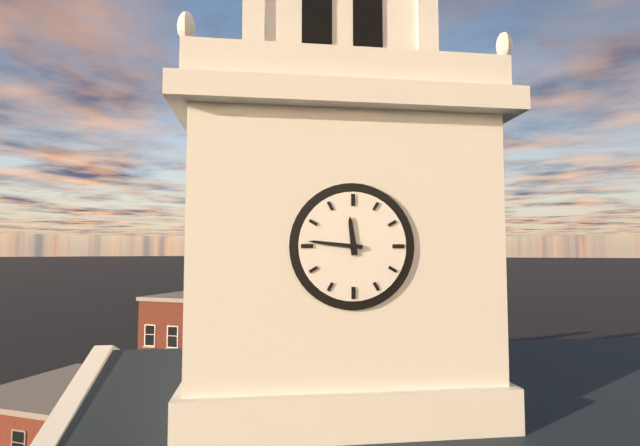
11:46
